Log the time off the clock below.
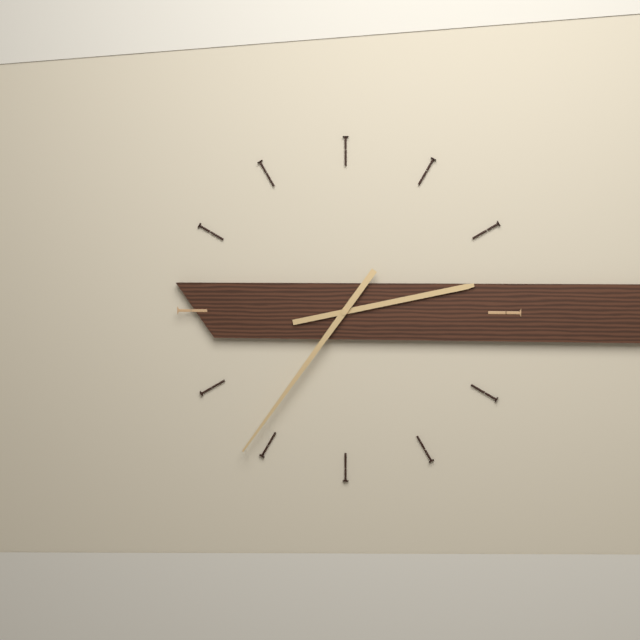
2:36
